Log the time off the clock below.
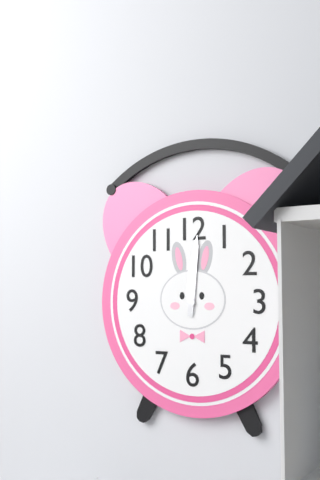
12:01
